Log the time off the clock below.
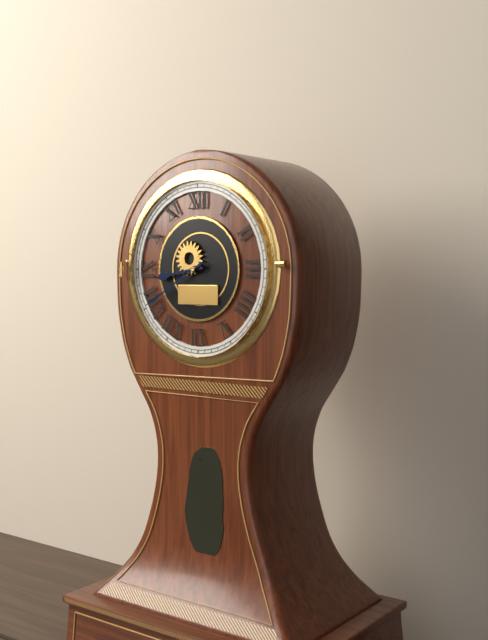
8:40
